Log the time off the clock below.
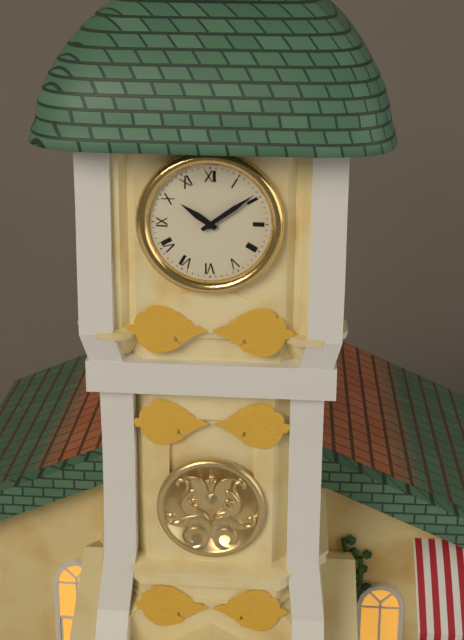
10:09
